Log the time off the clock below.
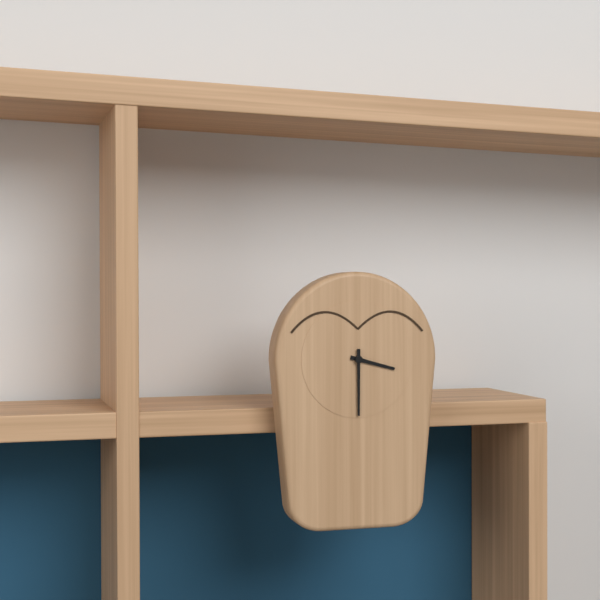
3:30
